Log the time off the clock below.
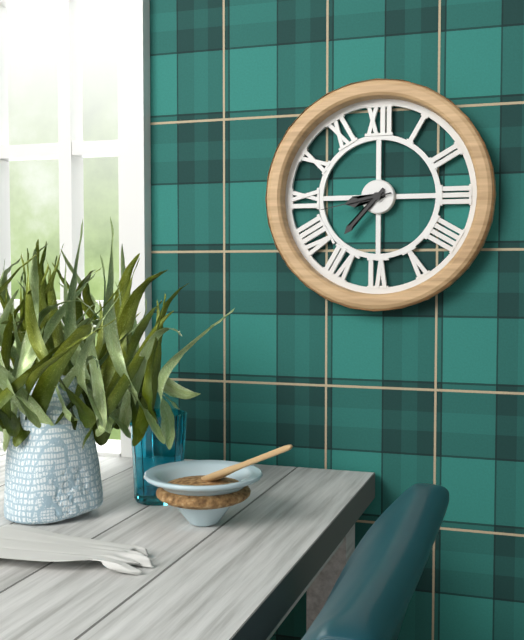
8:37:43
